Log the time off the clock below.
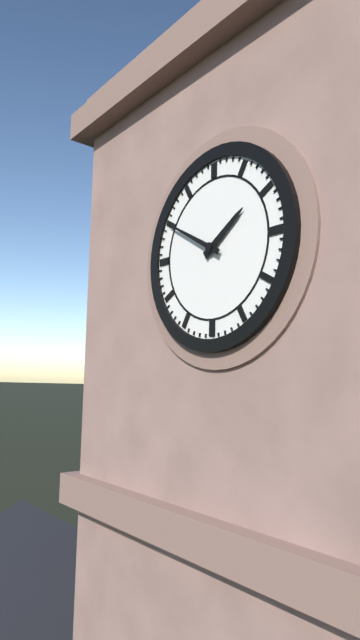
1:50
